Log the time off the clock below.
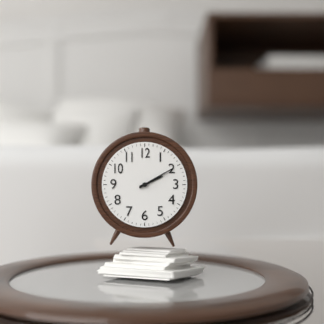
2:10
